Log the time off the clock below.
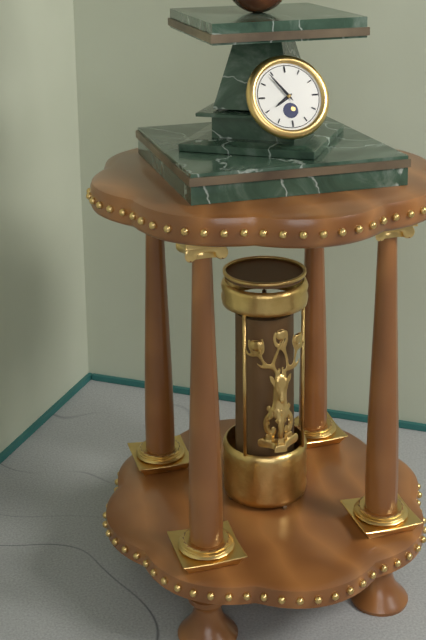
7:54
